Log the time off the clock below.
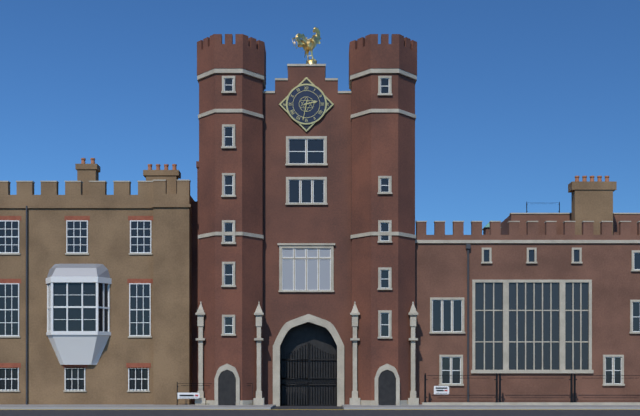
2:32
